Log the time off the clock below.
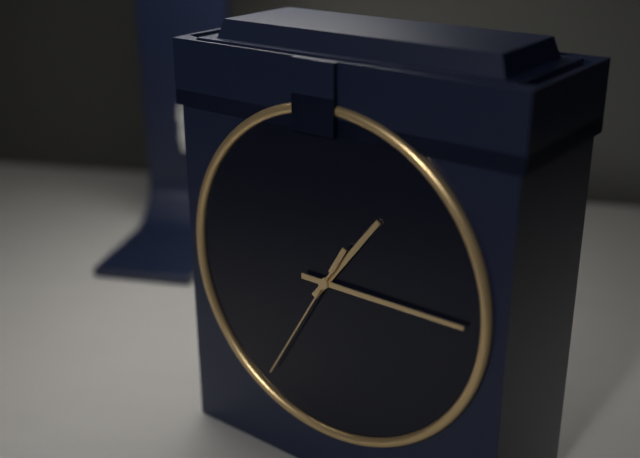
1:15:35
